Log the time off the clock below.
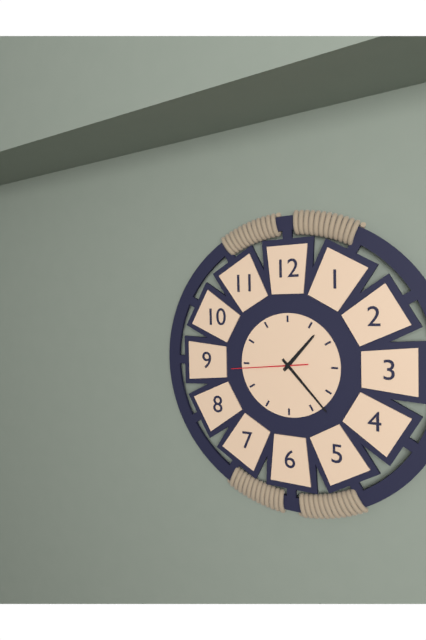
1:23:44
